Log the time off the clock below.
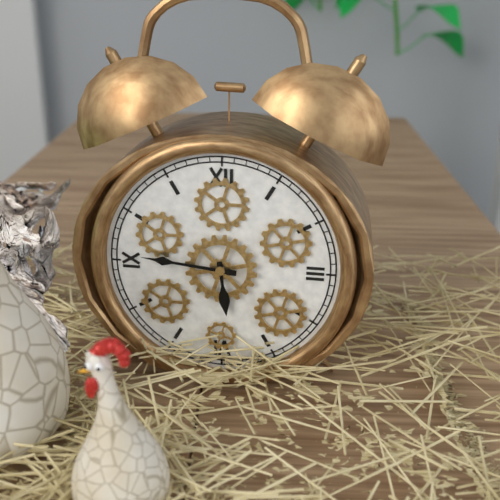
5:46
